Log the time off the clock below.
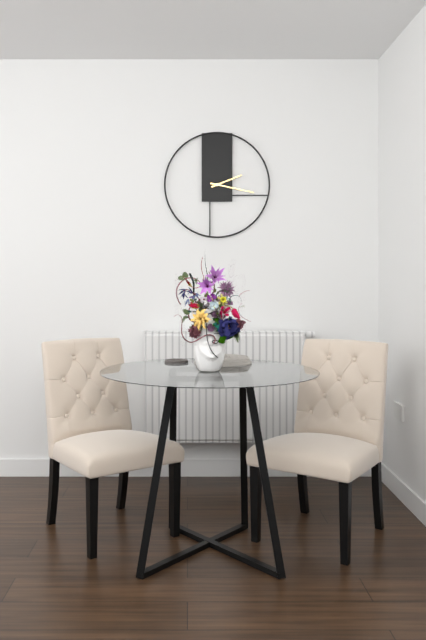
2:17
